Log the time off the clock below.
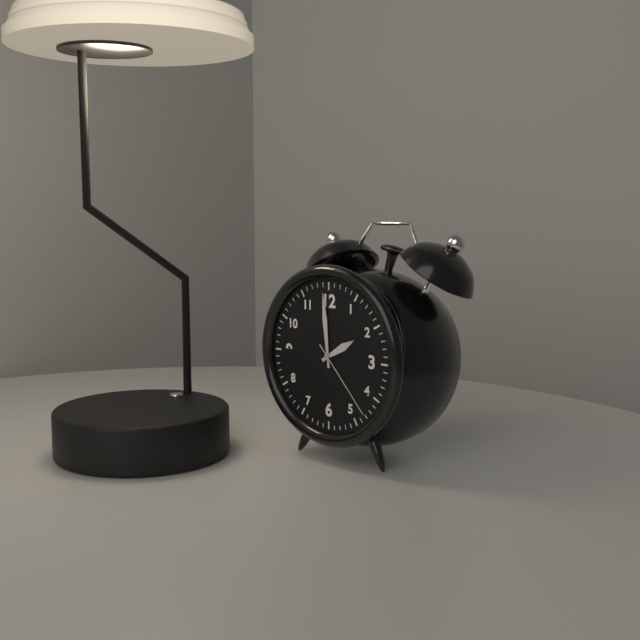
1:59:23
